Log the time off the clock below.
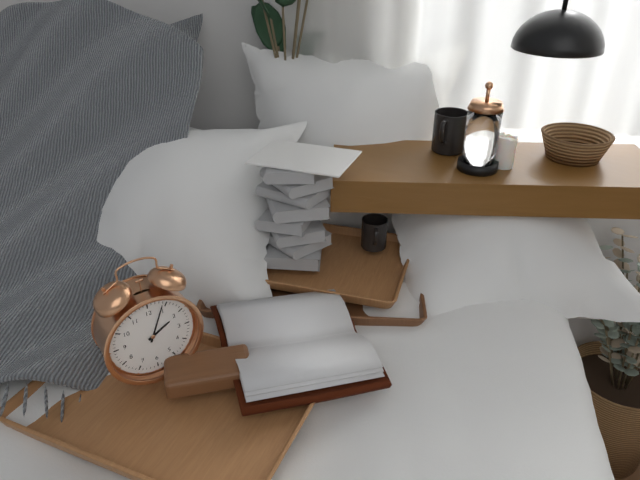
2:04
